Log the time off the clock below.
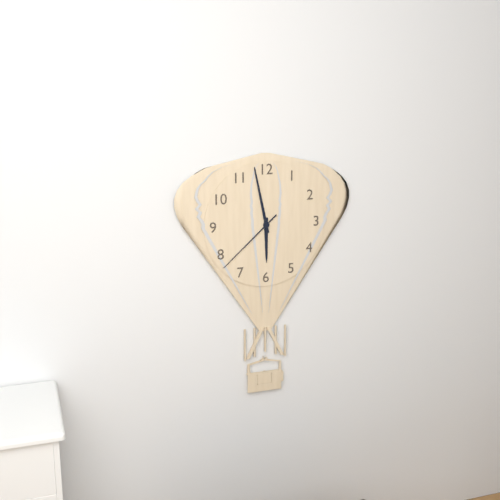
5:58:38
